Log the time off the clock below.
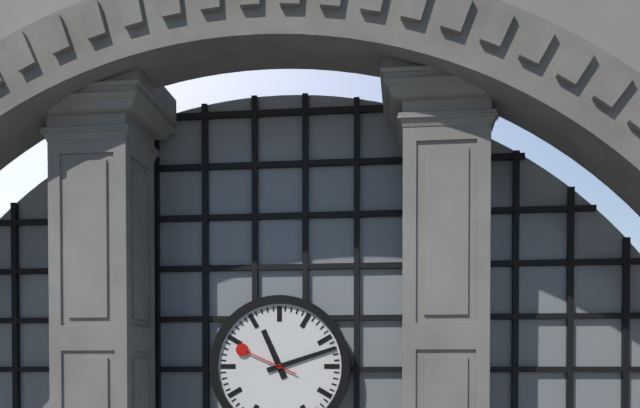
11:12:49
